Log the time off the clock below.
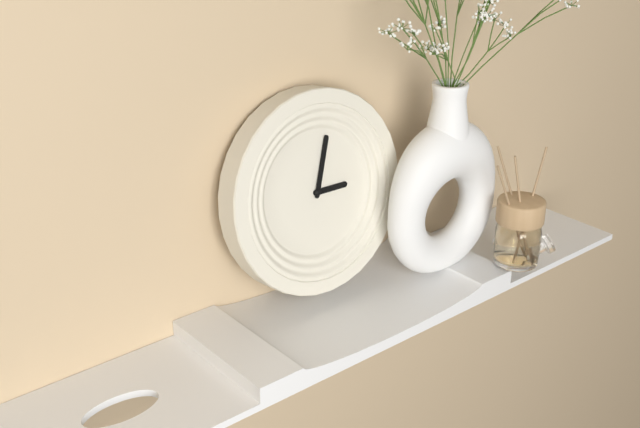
3:03
